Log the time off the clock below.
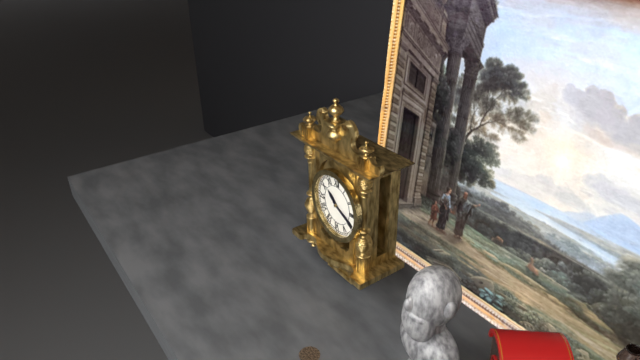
10:19
